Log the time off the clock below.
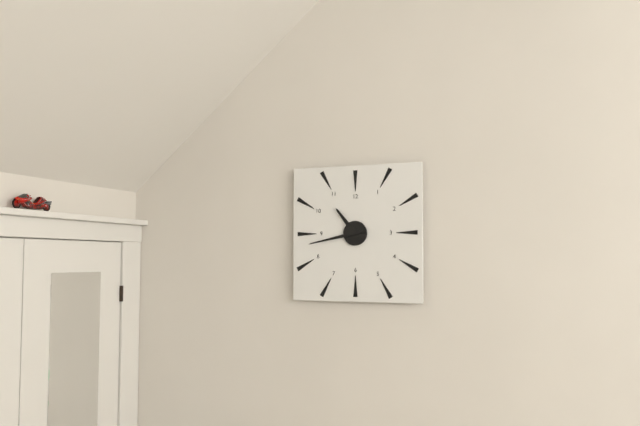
10:43
